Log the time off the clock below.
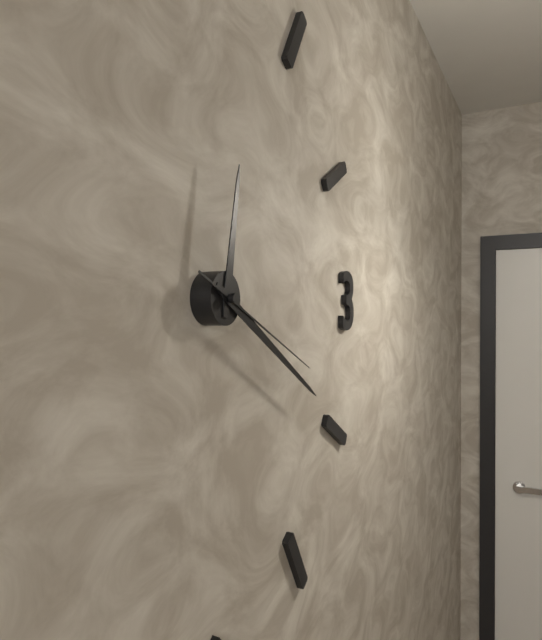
12:20:19
